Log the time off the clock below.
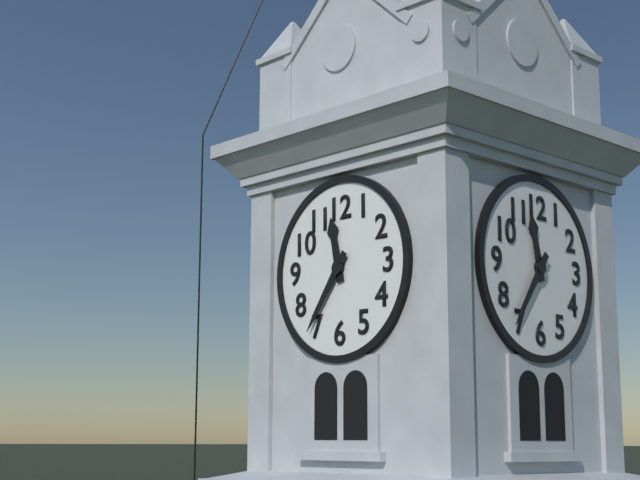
11:36
